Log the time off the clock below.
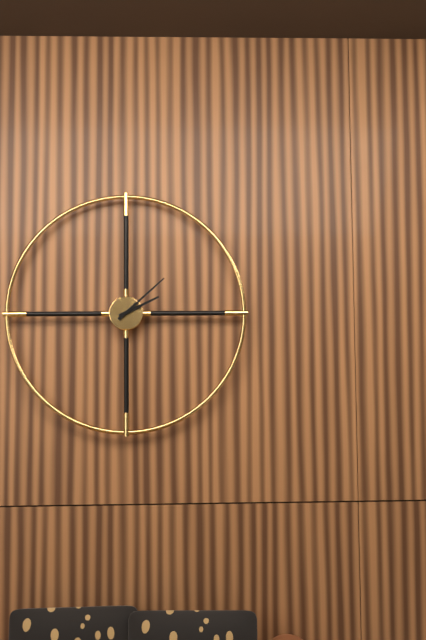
2:08
